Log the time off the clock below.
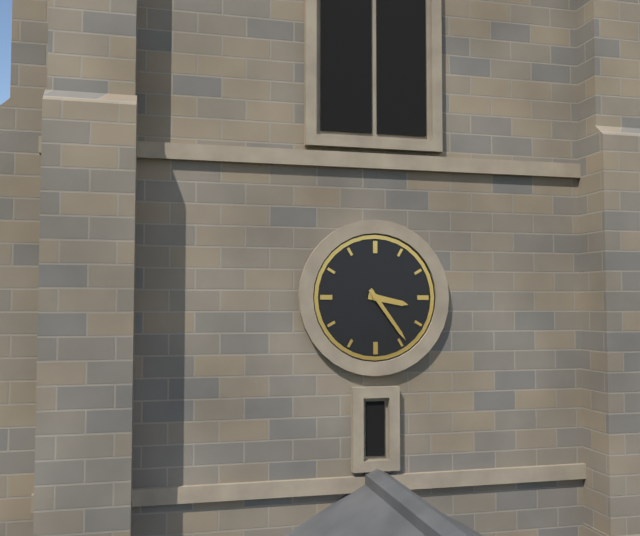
3:24
